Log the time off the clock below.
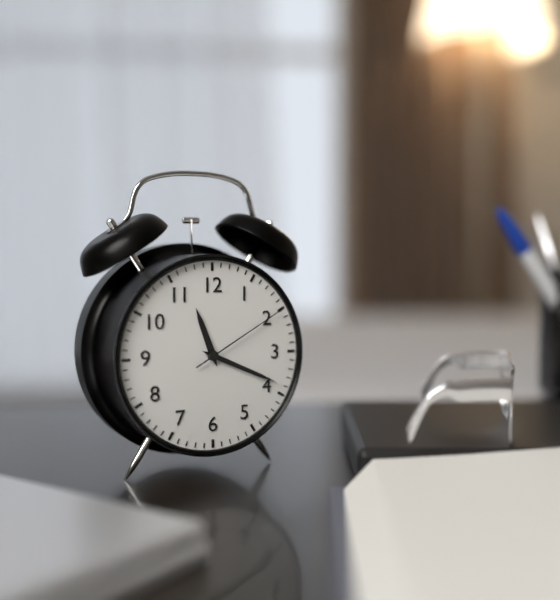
11:19:10
